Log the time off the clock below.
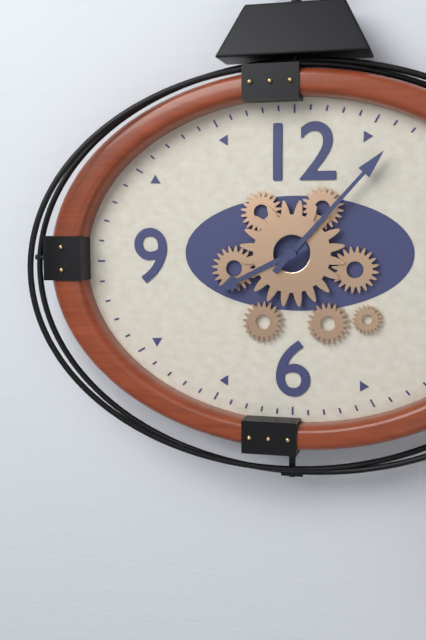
8:07
